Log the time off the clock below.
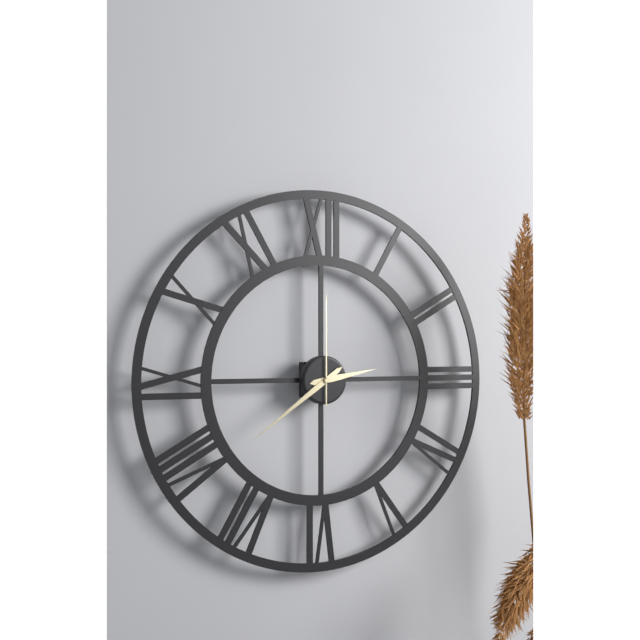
2:39:00
